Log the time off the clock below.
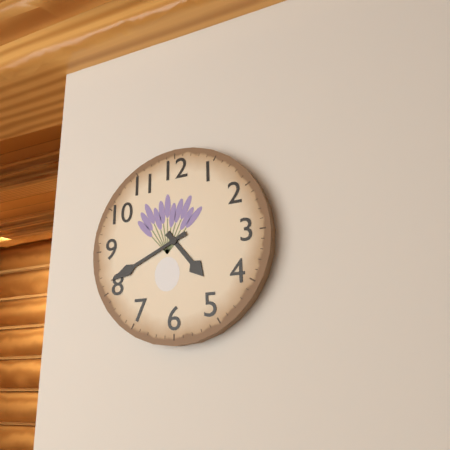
4:41
